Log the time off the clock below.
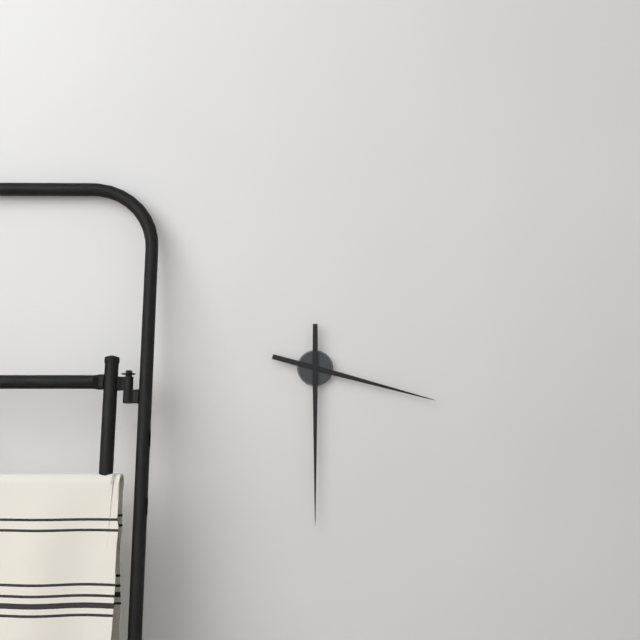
3:30
